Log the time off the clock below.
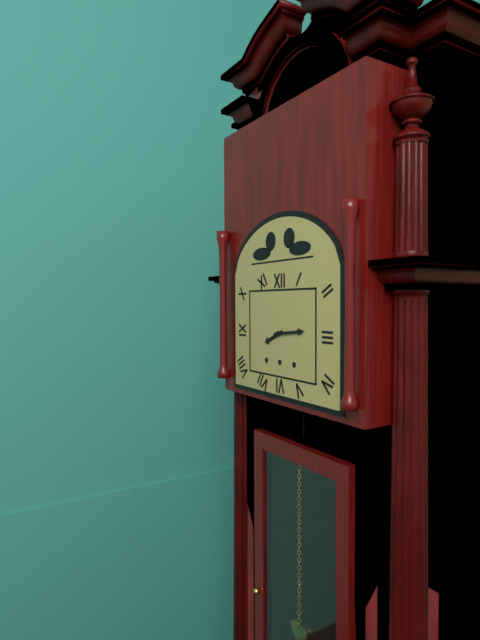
8:14
